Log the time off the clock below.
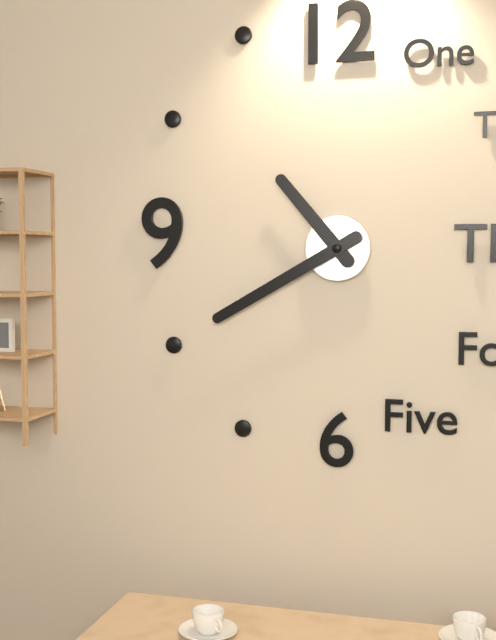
10:40
